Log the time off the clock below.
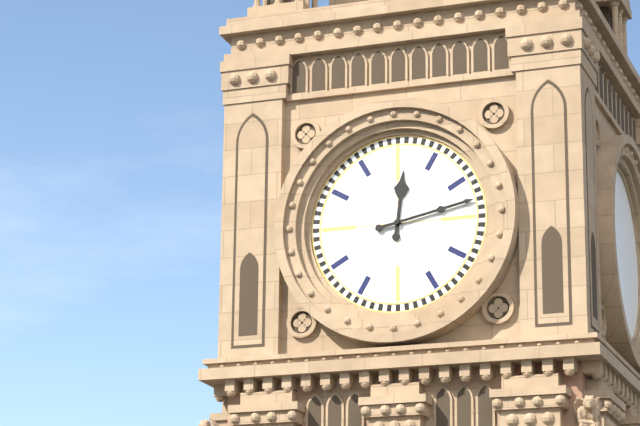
12:13
